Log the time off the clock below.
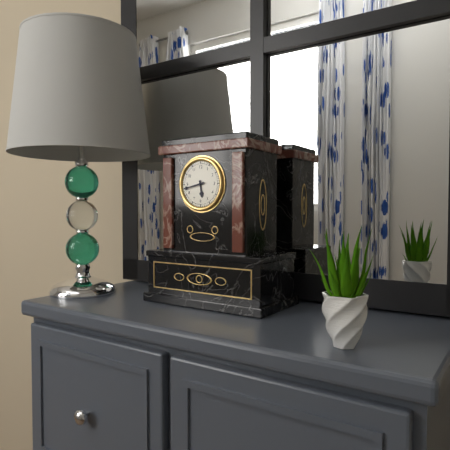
5:43
